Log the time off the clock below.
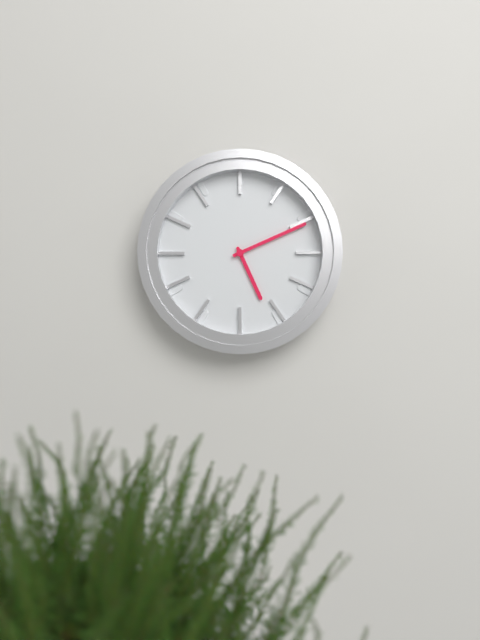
5:11
